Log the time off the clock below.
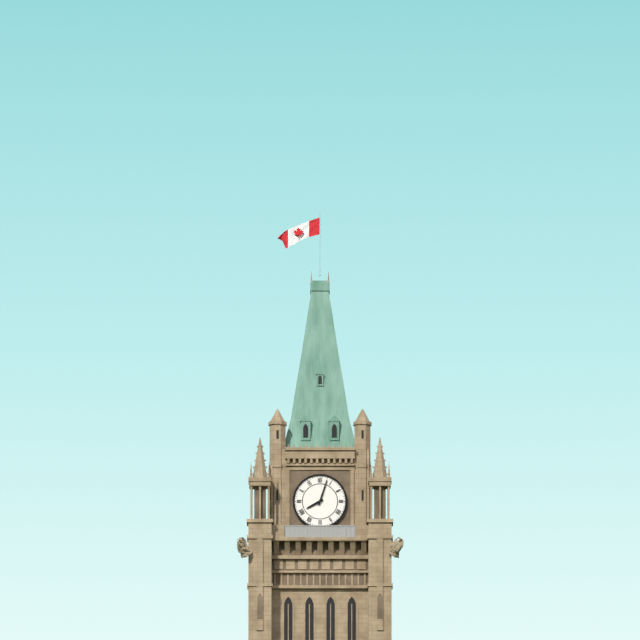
8:03
